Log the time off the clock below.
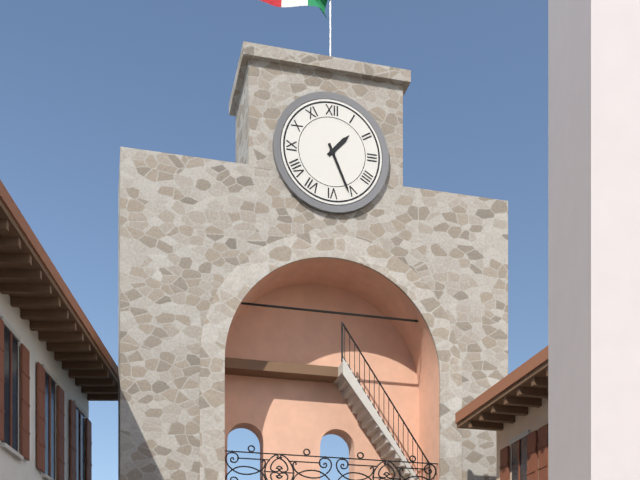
1:26
